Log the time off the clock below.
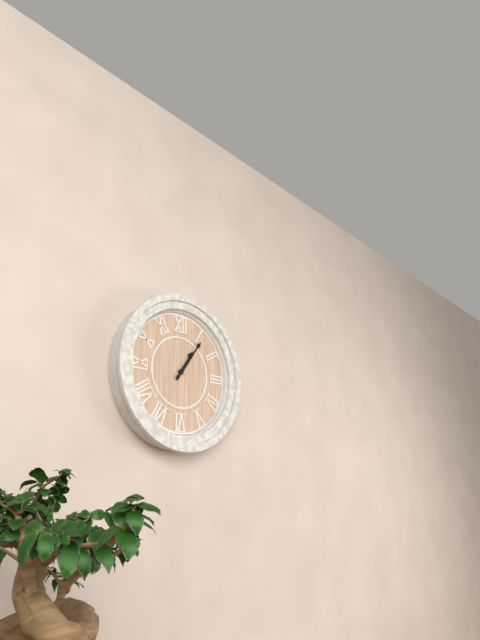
1:06
